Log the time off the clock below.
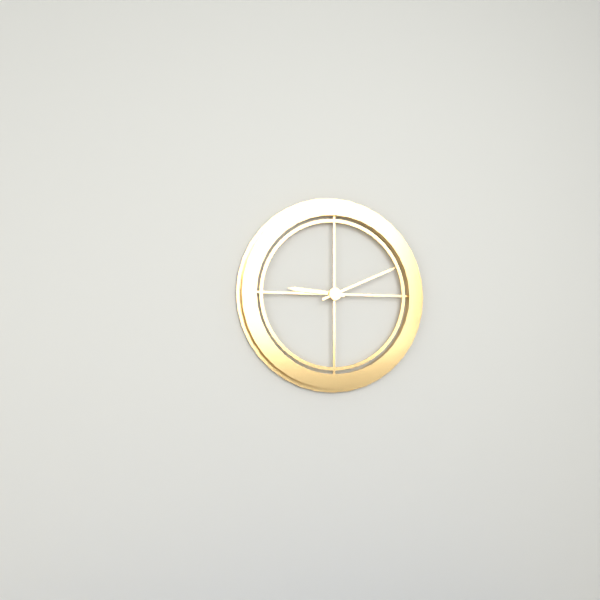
9:11
